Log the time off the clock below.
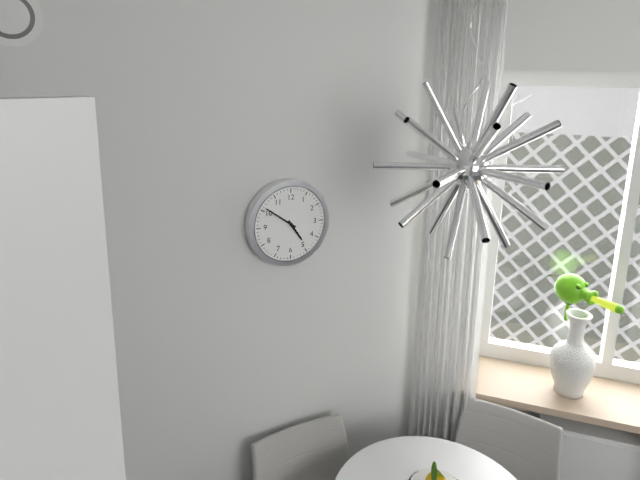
4:51
